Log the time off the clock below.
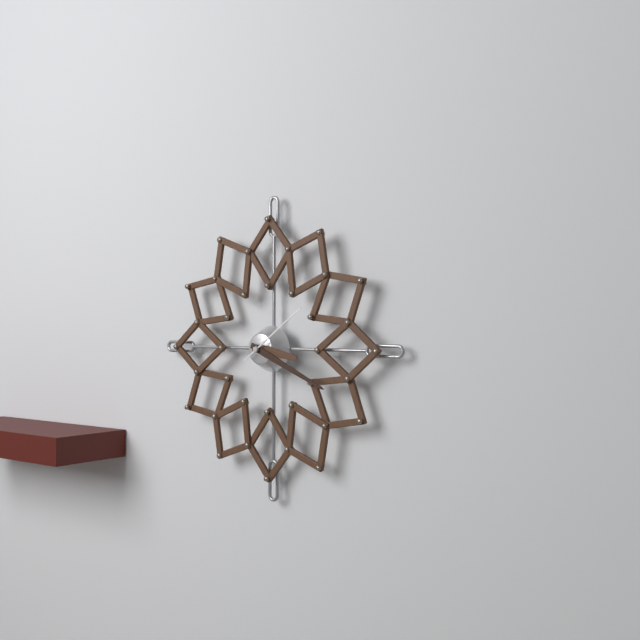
3:19:09
